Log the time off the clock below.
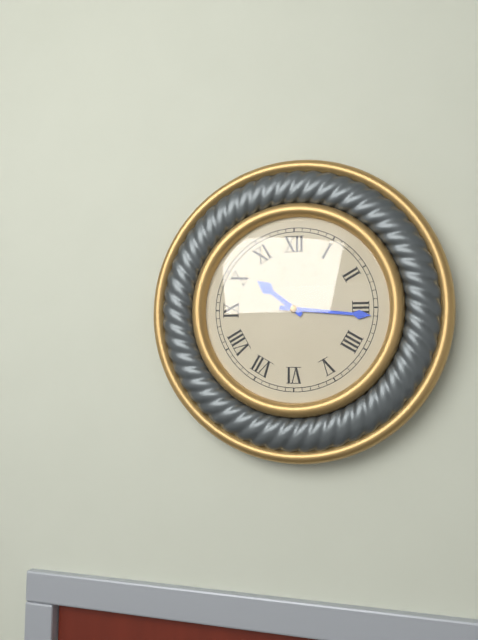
10:16
